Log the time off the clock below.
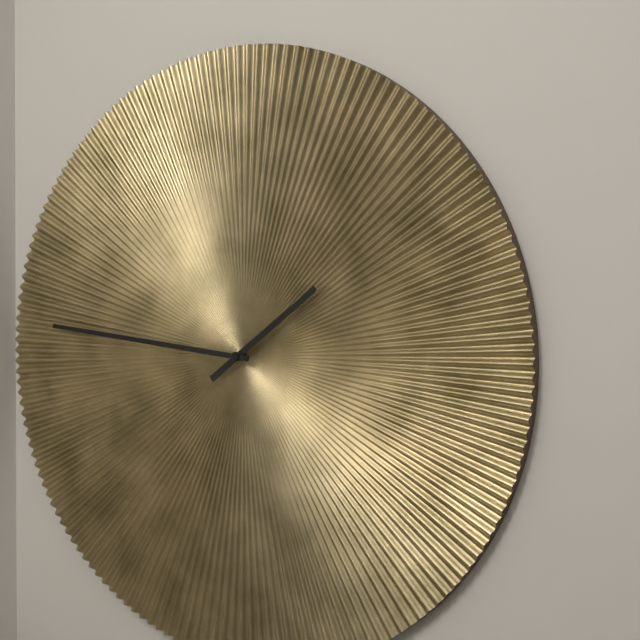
1:46
